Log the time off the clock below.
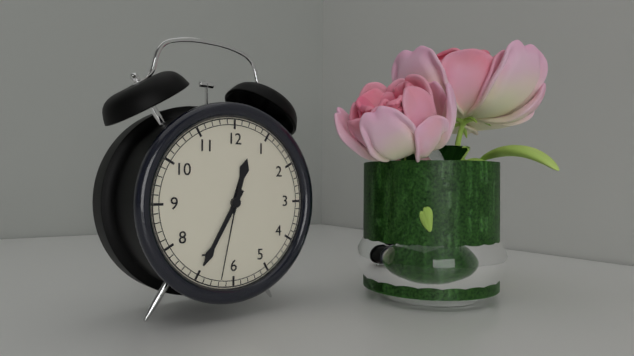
12:35:32
